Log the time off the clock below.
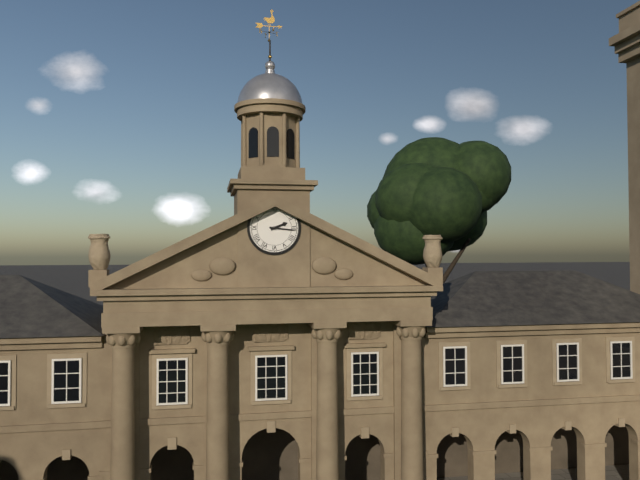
2:16
